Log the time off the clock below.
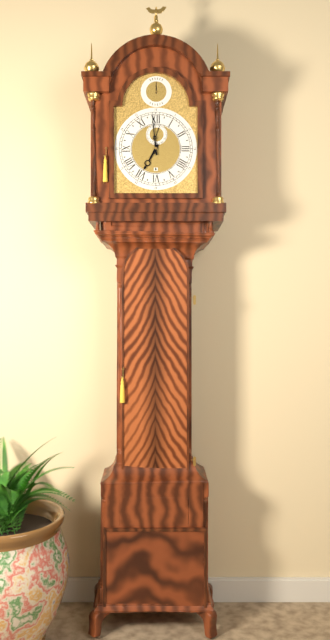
6:59
